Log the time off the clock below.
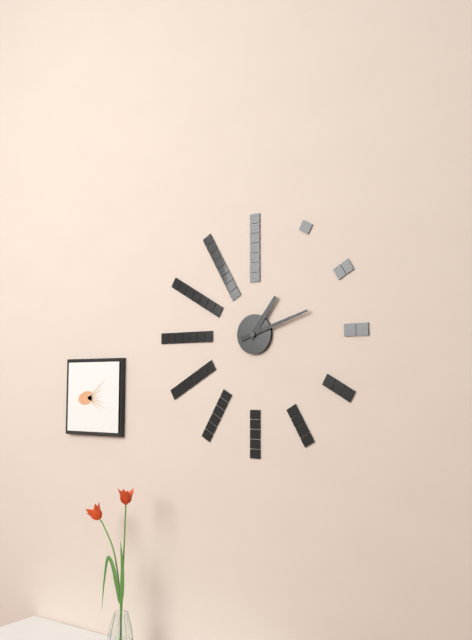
1:12
